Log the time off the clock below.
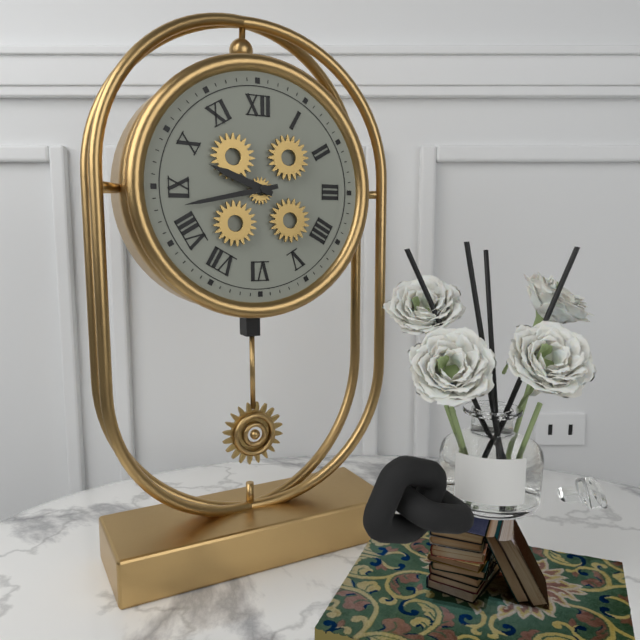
9:43
